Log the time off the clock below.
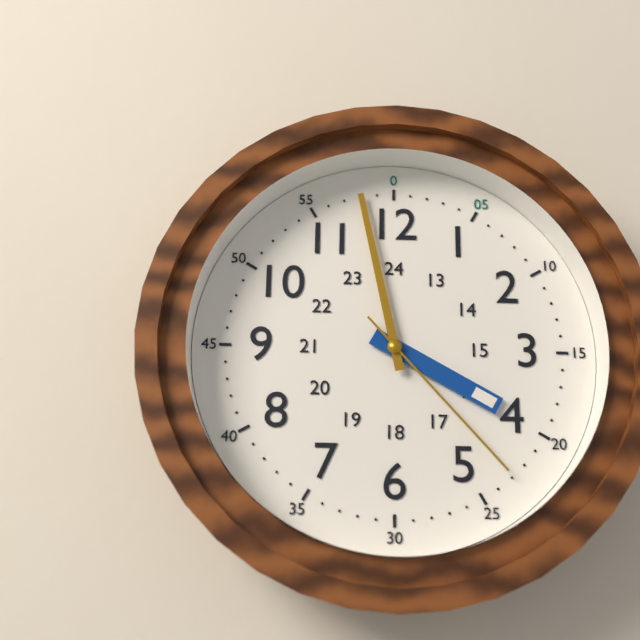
3:58:23
